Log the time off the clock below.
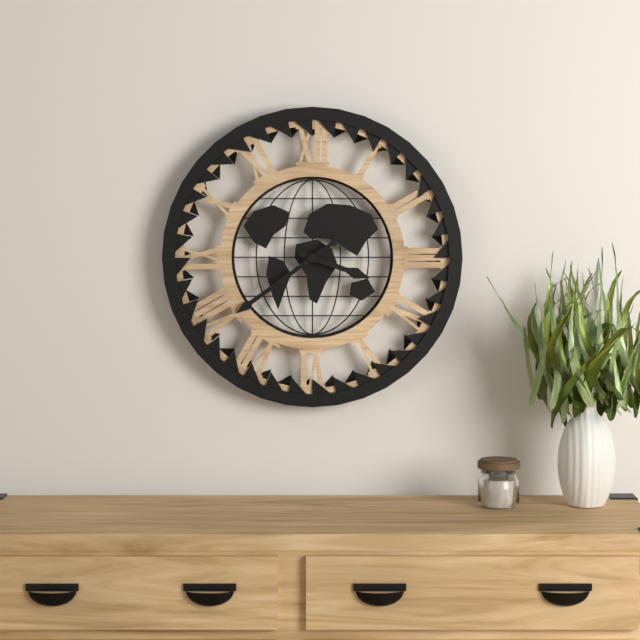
3:39
